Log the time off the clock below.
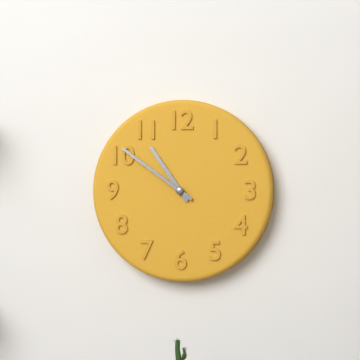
10:51
